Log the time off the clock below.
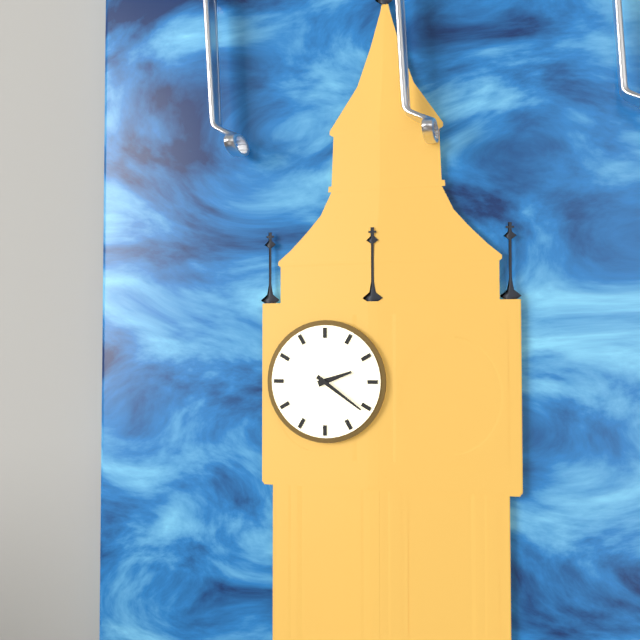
2:21
